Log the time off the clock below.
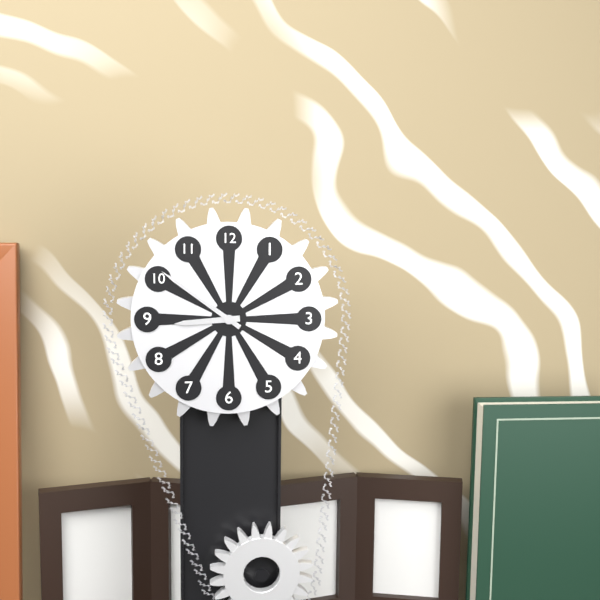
8:51
